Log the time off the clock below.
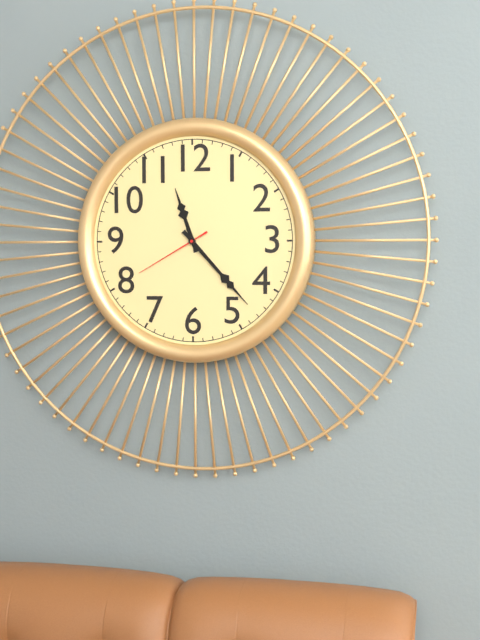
11:23:40
